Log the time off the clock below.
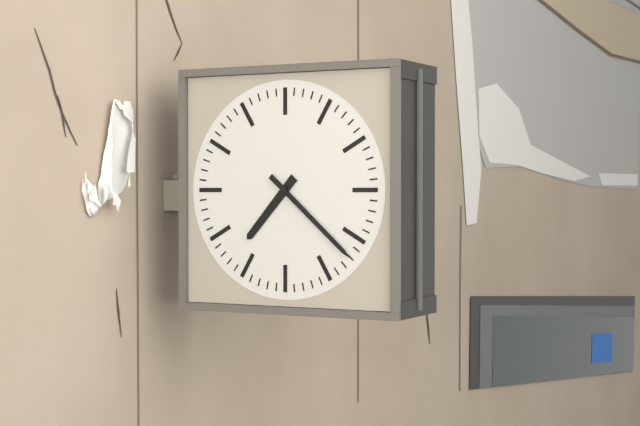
7:22
